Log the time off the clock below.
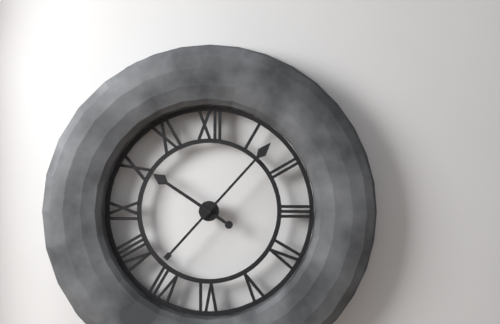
10:07
